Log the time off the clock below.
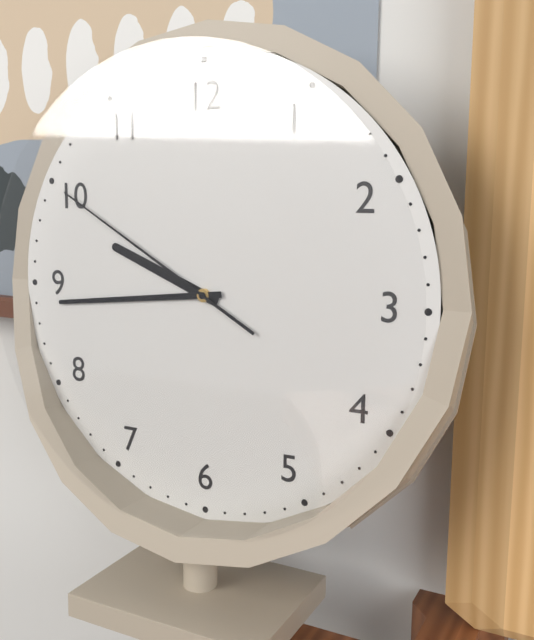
9:44:50
